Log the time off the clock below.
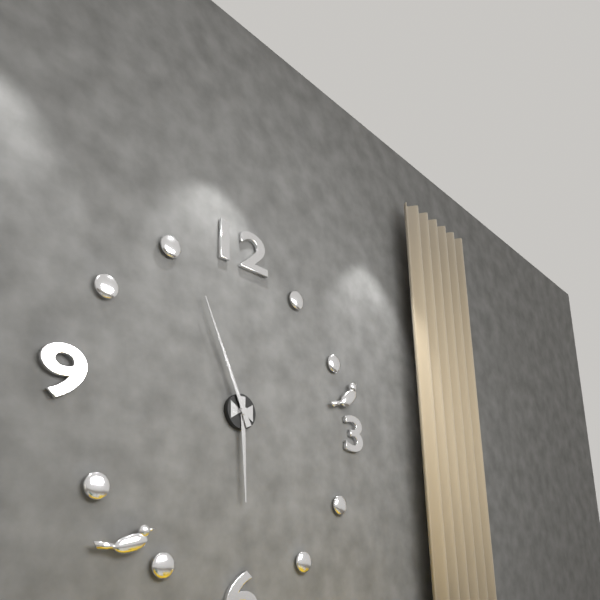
5:56
